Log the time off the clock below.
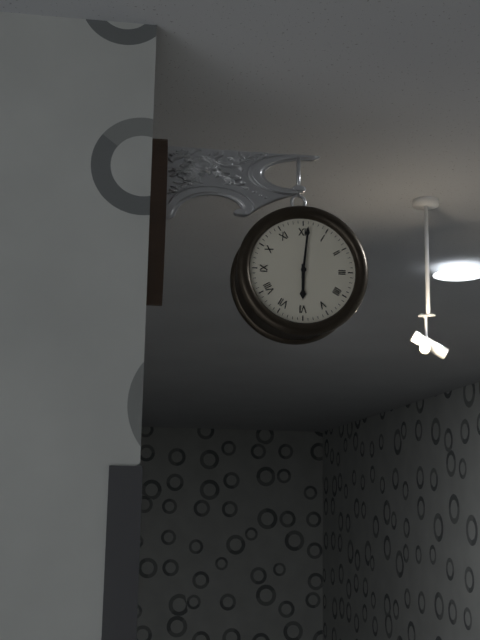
6:01
